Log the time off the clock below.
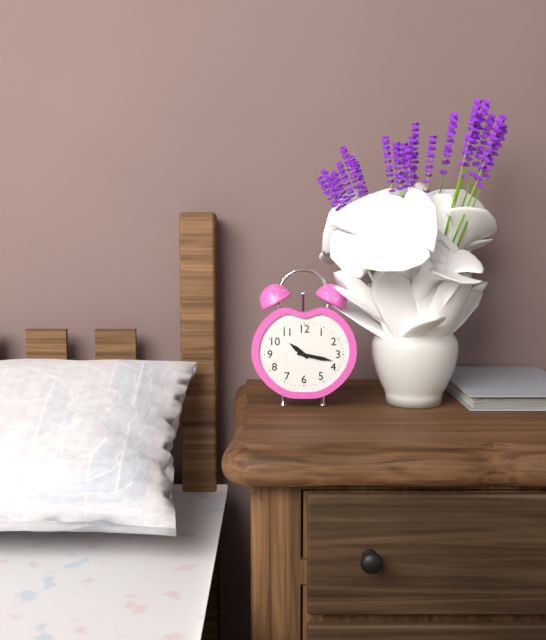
10:17
